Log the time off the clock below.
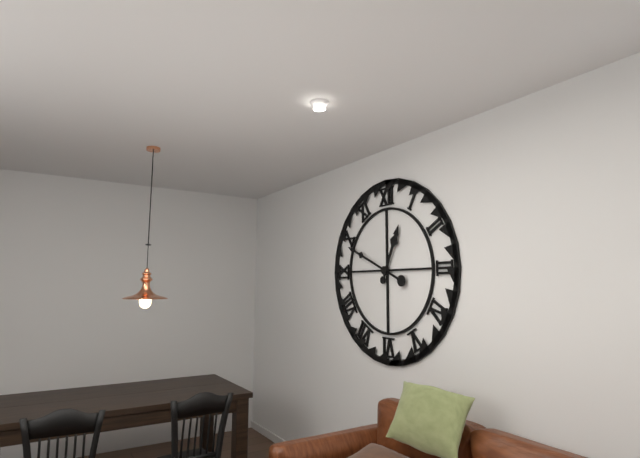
12:49
